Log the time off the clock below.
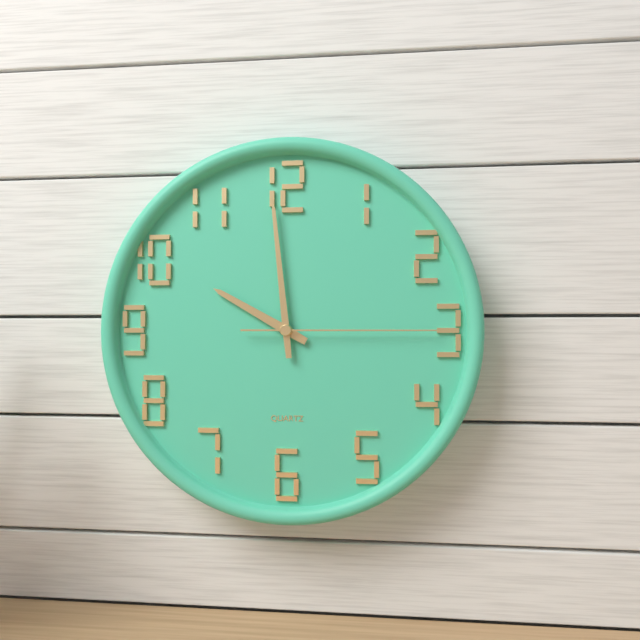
9:59:15
